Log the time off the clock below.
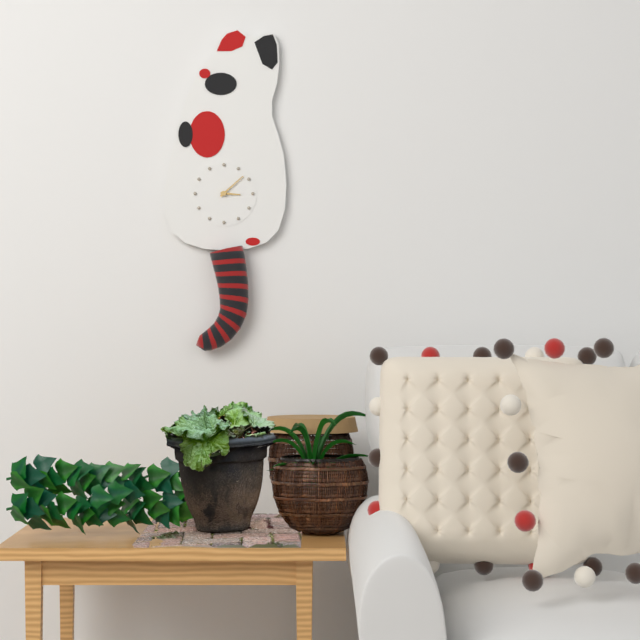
3:08
